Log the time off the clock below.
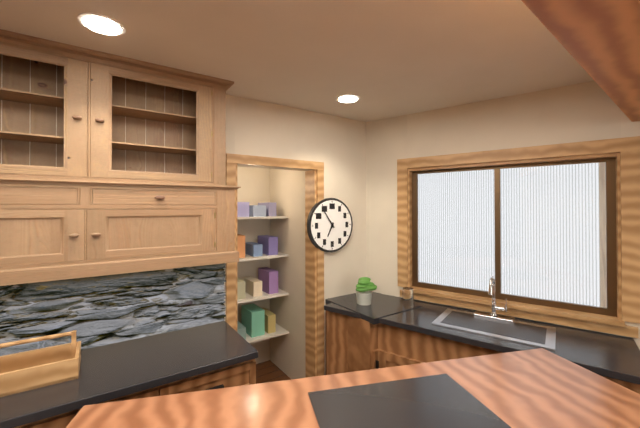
6:54
